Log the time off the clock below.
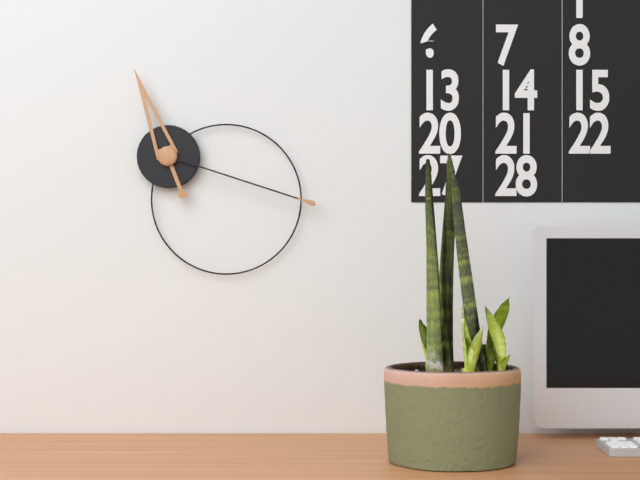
11:18
